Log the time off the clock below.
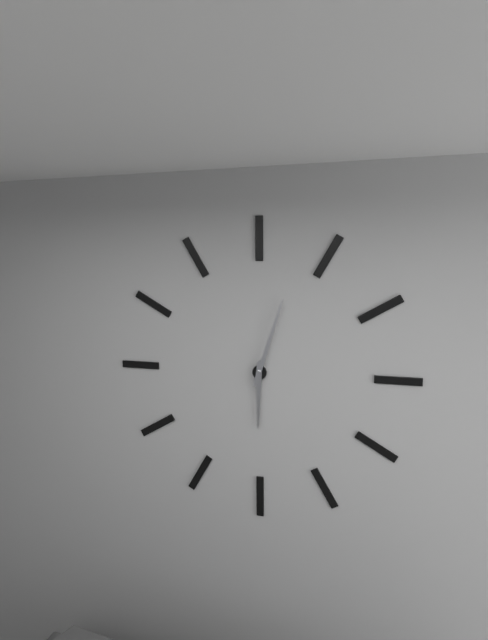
6:03
